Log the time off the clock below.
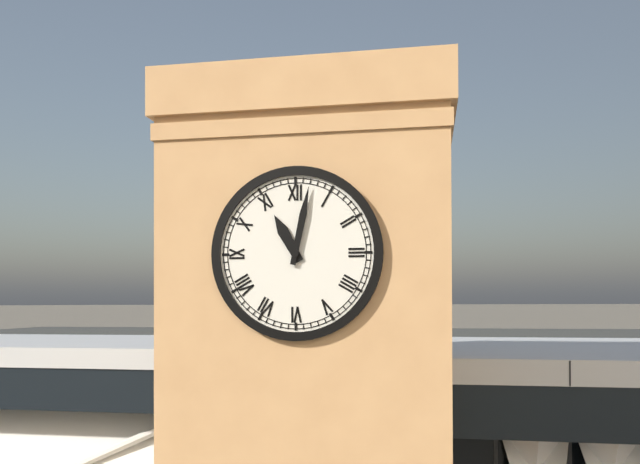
11:02
